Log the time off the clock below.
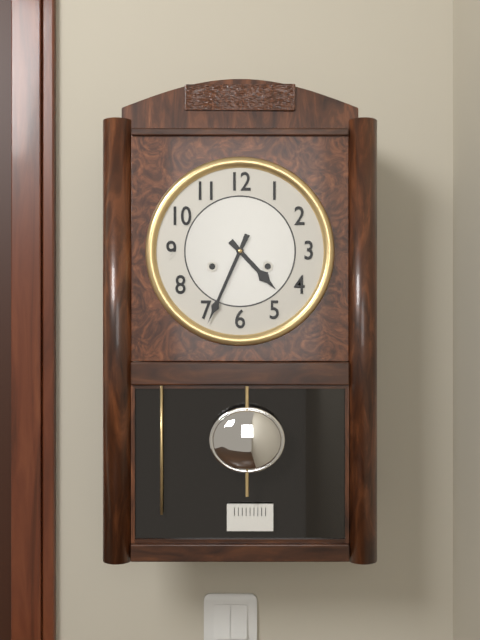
4:34
